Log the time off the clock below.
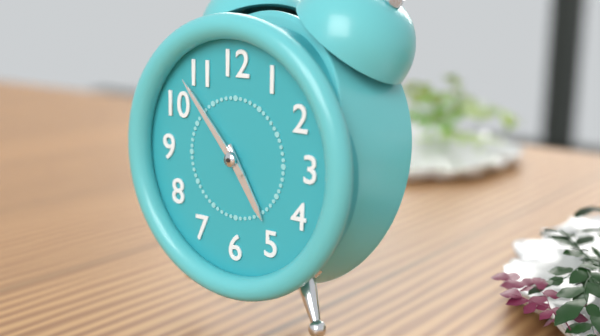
4:53
